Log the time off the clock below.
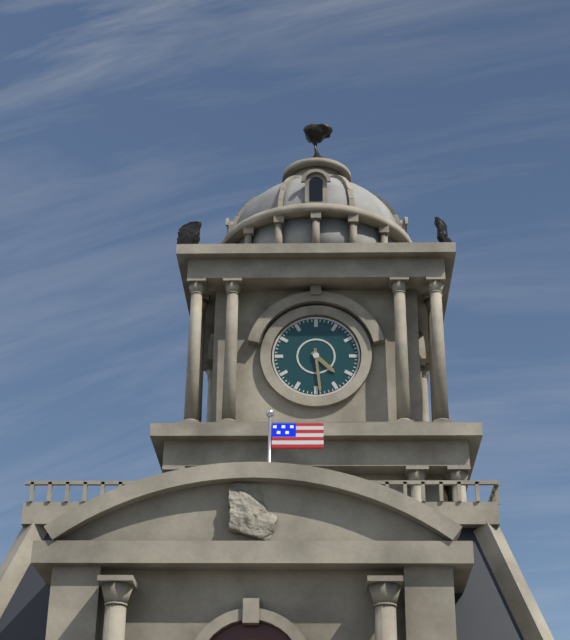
4:29
